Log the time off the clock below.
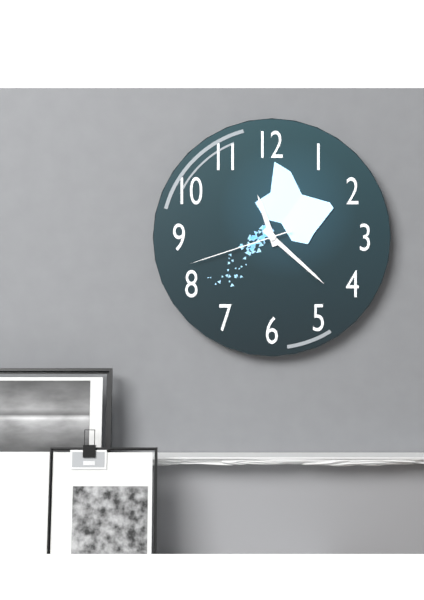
11:22:42
